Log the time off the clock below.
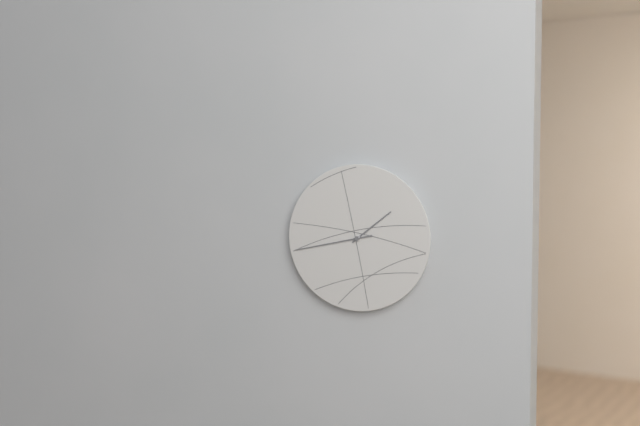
1:43
